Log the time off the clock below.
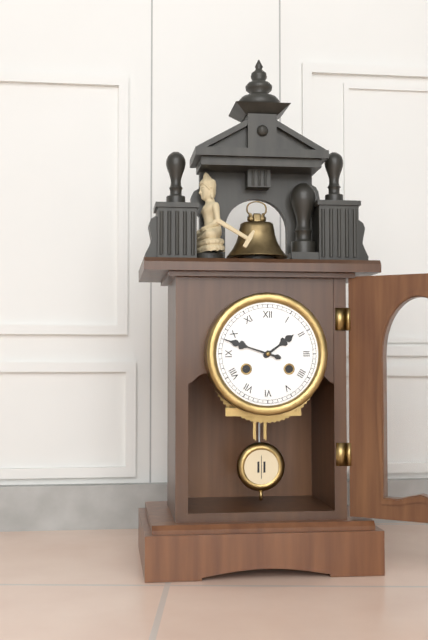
1:48
